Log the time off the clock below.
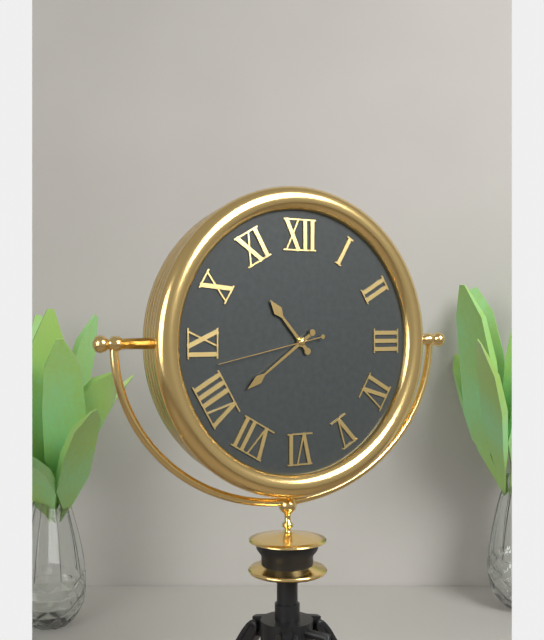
10:39:43
